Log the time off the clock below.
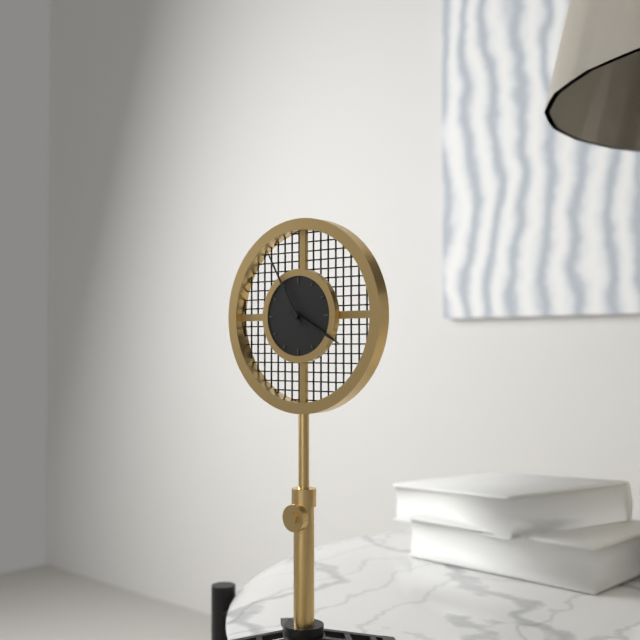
3:55
